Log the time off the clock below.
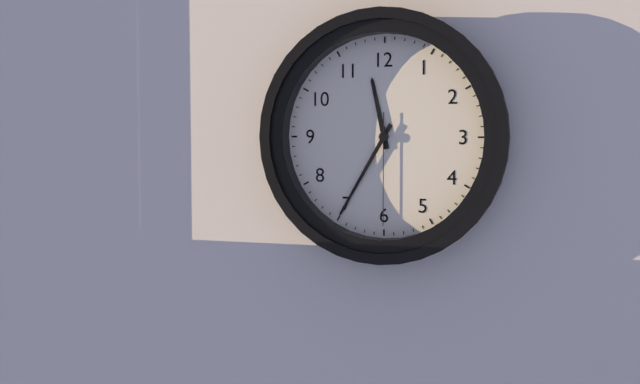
11:35:30
